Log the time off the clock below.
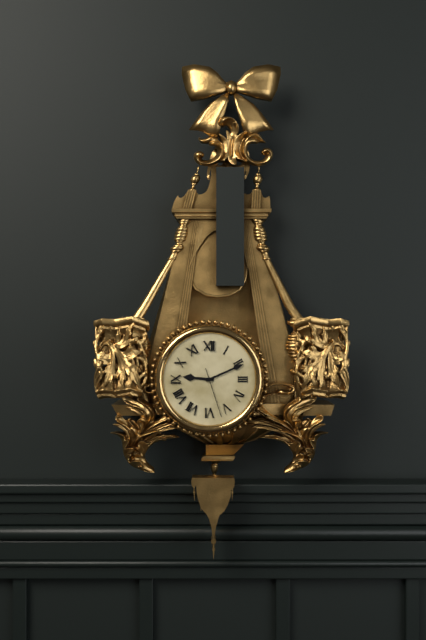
9:11:27
